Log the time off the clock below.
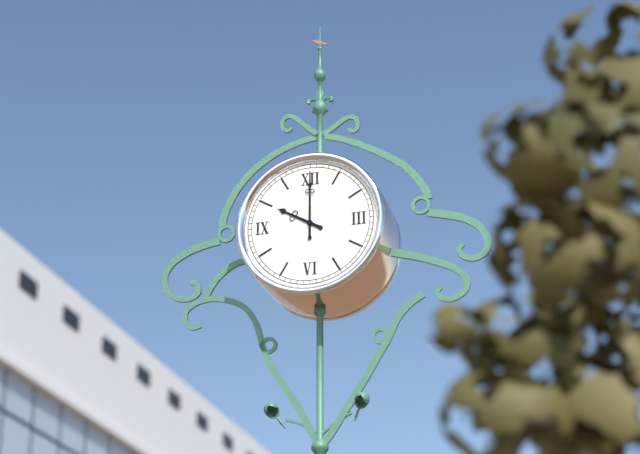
10:00
